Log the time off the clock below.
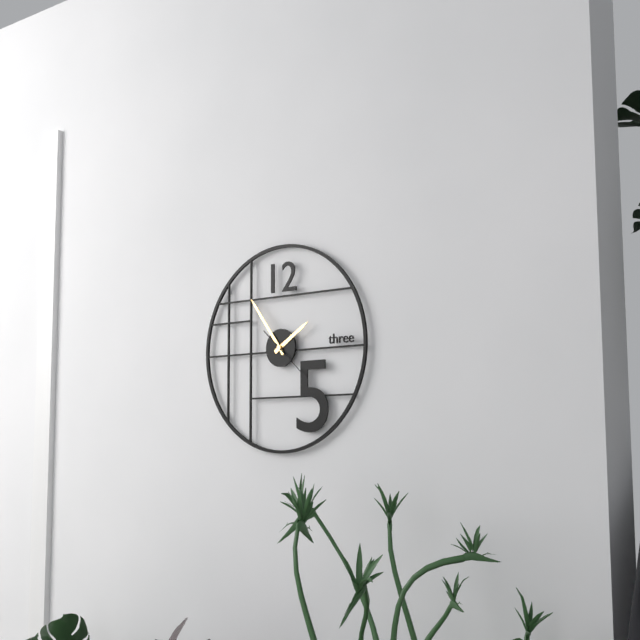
1:54:22
